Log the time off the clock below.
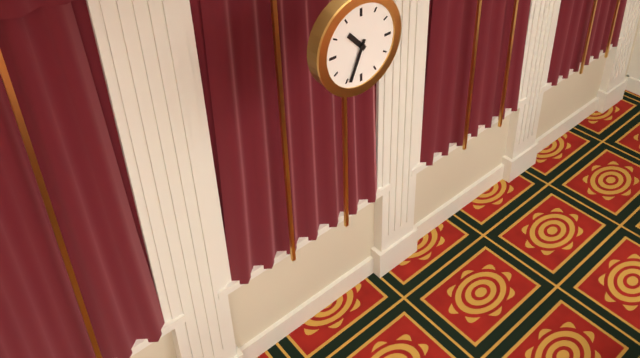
10:34
